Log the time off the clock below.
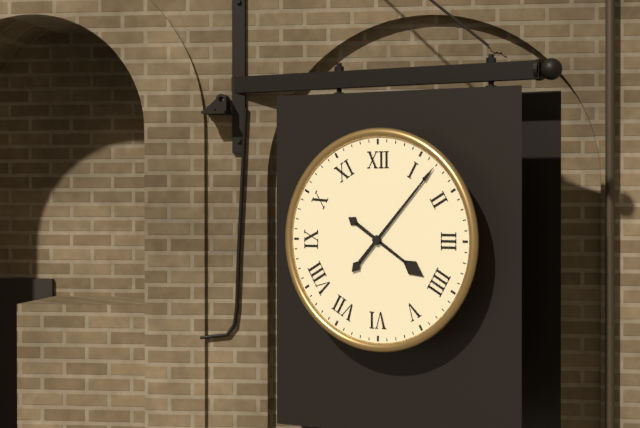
4:07
